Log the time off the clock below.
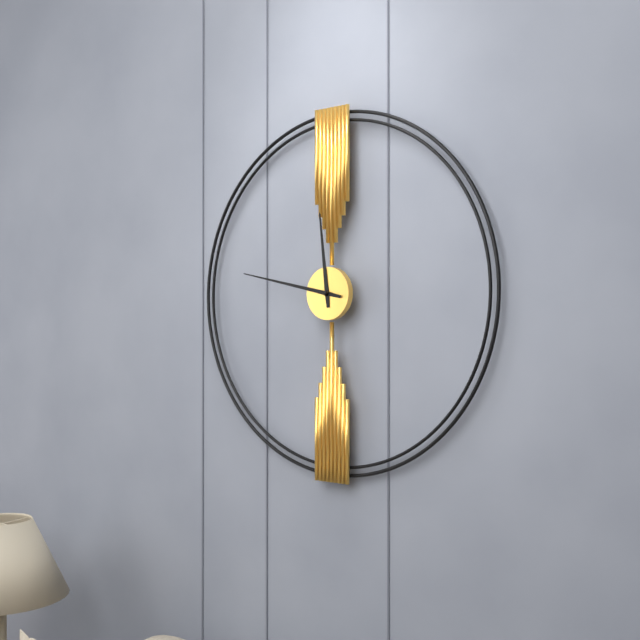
11:47
